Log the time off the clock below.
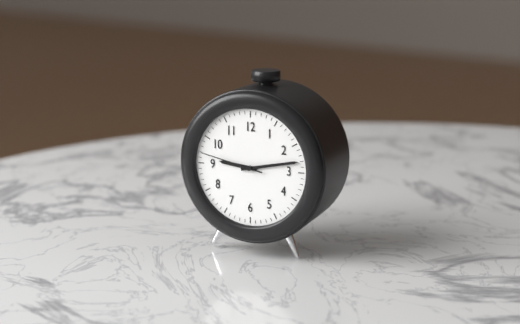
9:13:47
